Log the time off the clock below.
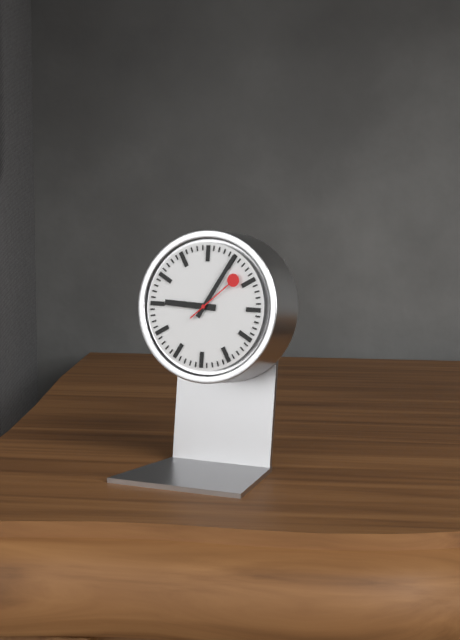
9:05:08
